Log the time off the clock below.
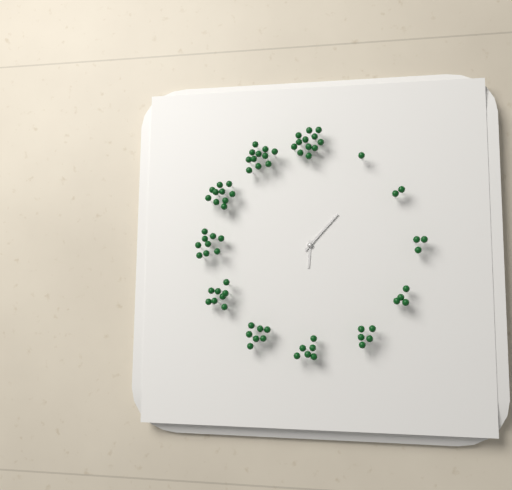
6:07
